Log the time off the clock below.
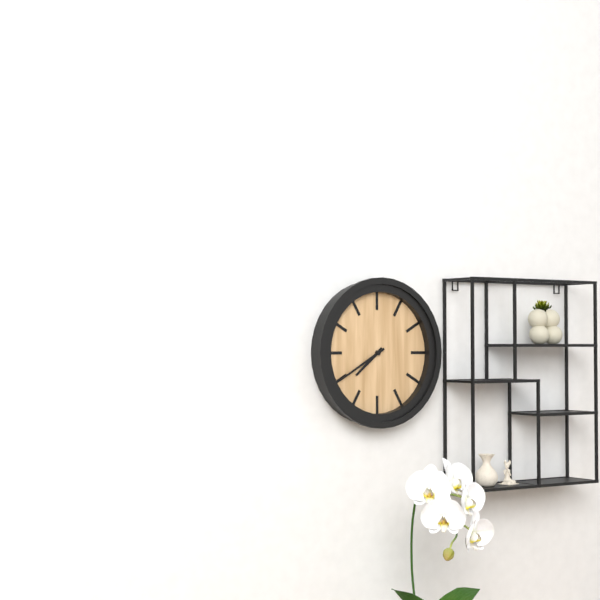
7:40
